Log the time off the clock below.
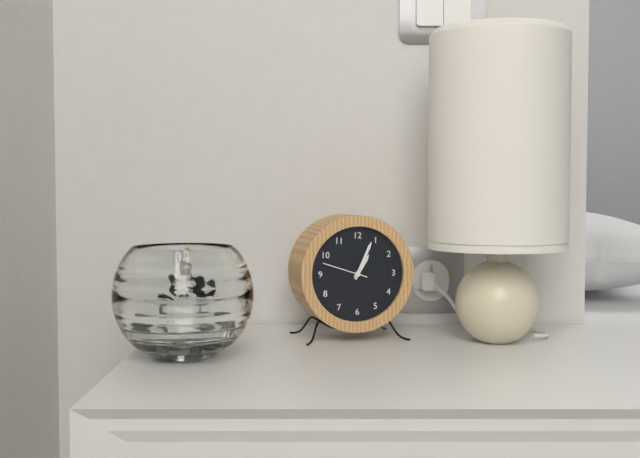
1:04
